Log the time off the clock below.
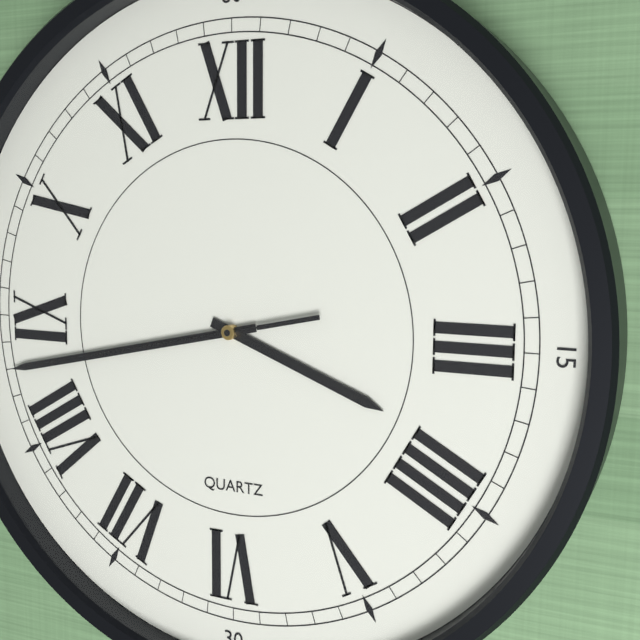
3:43:43
